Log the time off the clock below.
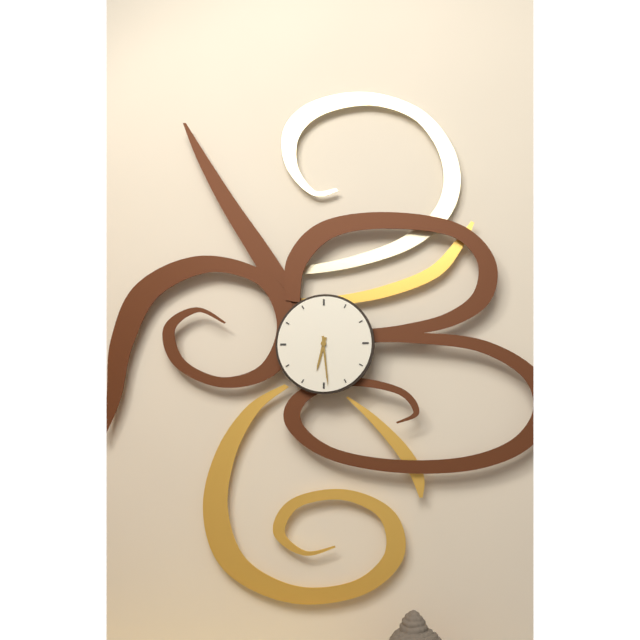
6:29
